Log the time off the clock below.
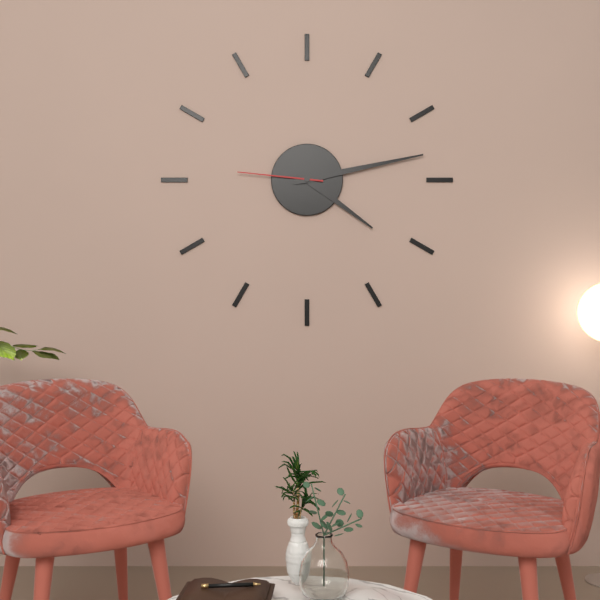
4:13:46
